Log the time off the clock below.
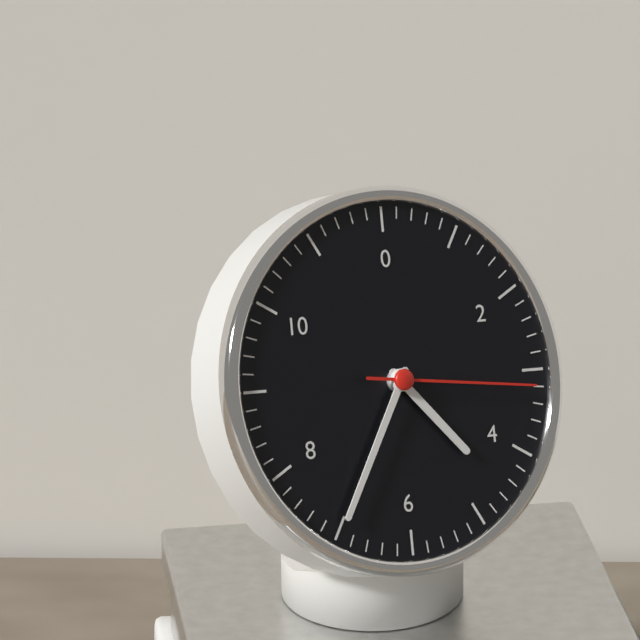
4:35:16
